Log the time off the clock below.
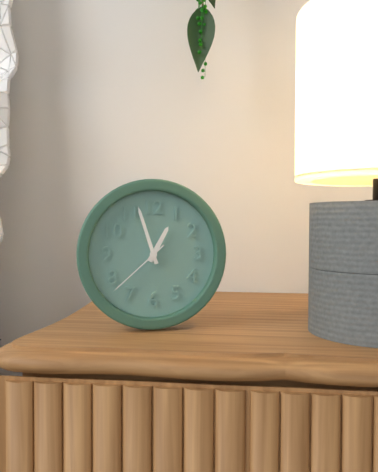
12:57:38
